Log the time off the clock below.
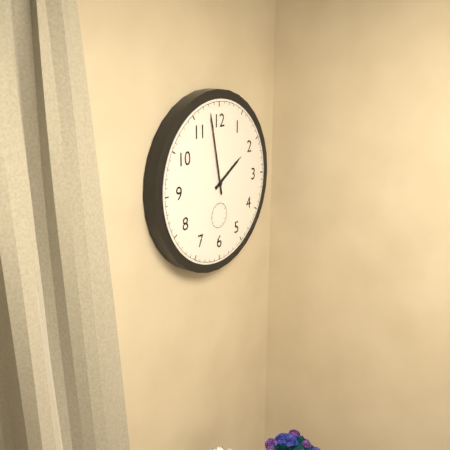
1:58
